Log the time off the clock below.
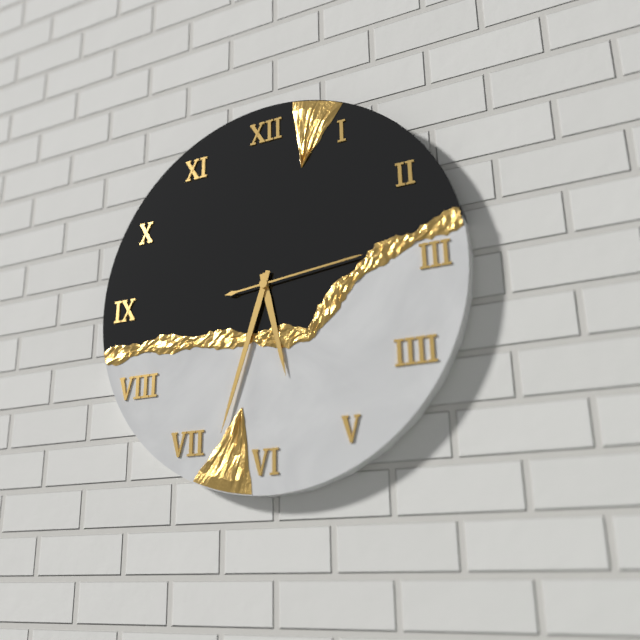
5:33:14
